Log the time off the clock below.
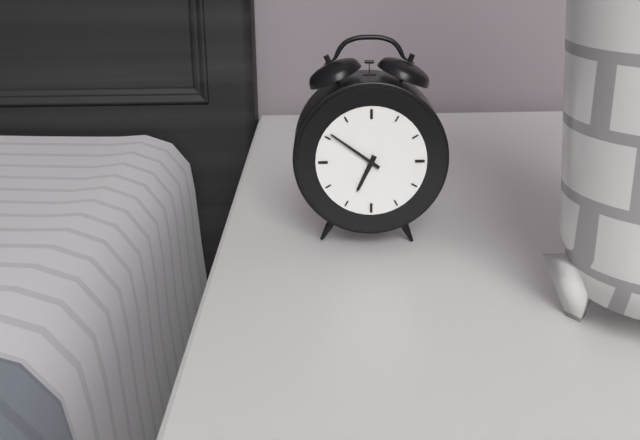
6:51
